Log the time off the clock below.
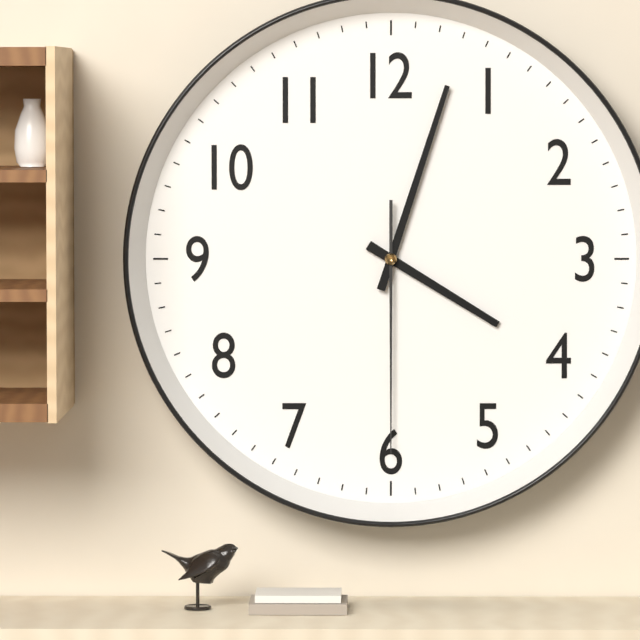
4:03:30
